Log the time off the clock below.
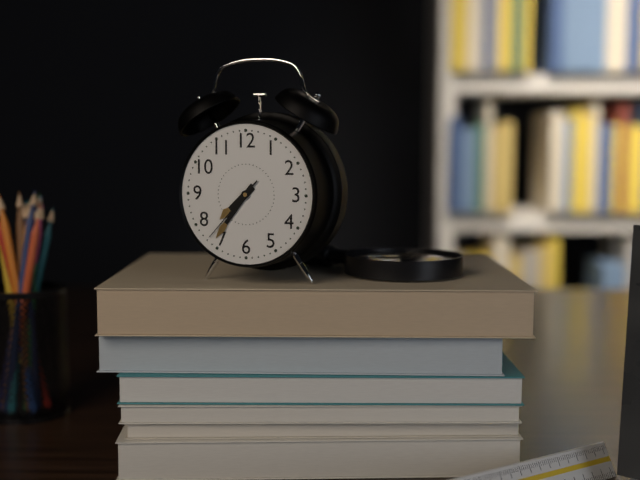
7:36:37
